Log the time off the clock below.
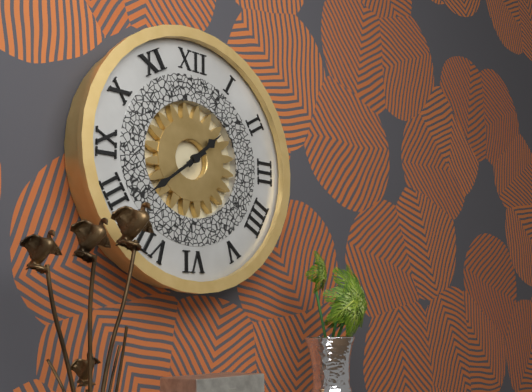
1:39
